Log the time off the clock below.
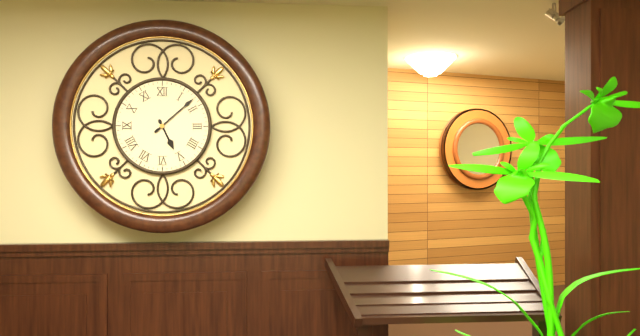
5:08
